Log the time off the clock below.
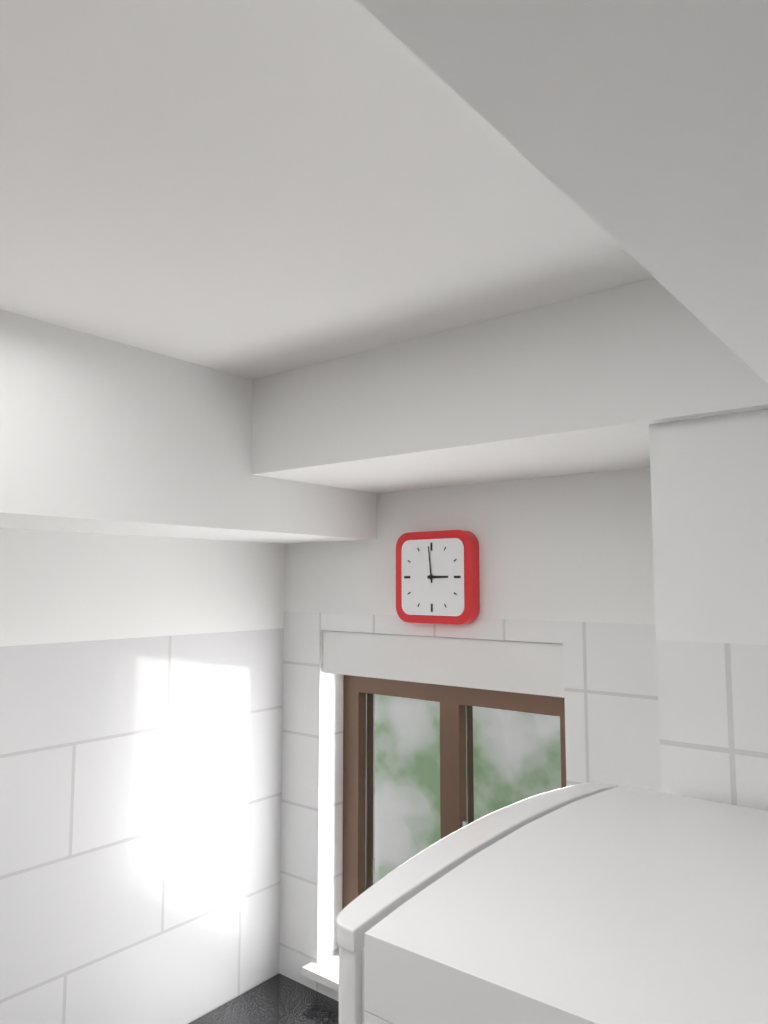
2:59
